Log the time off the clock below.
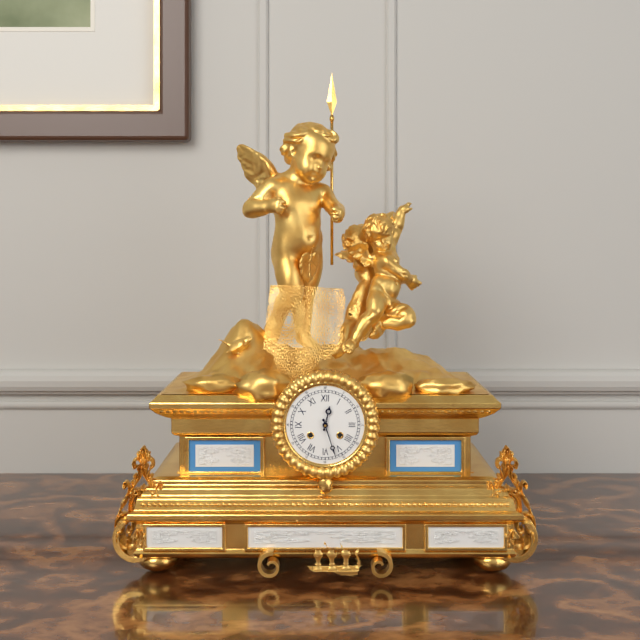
12:27
